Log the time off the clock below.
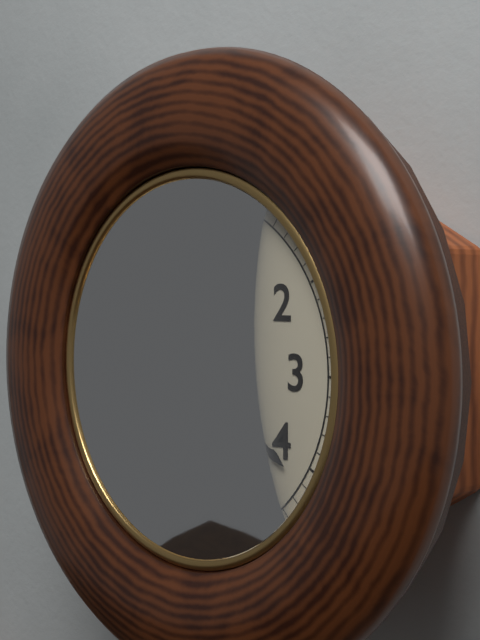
6:21
